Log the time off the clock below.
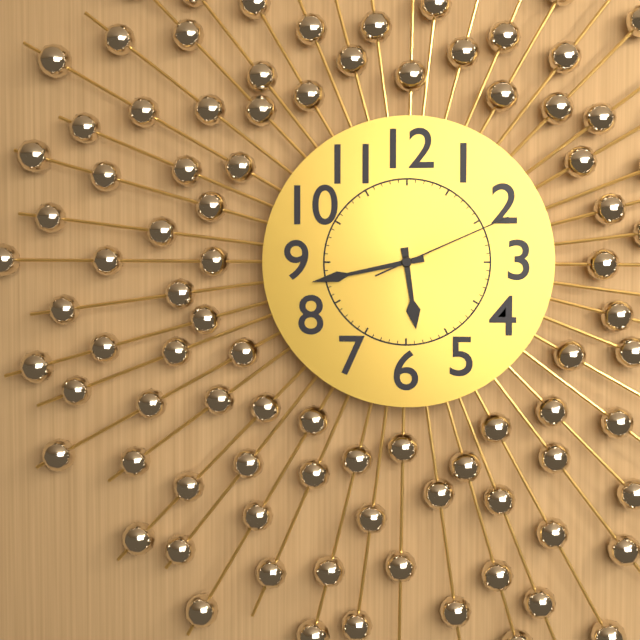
5:43:11
